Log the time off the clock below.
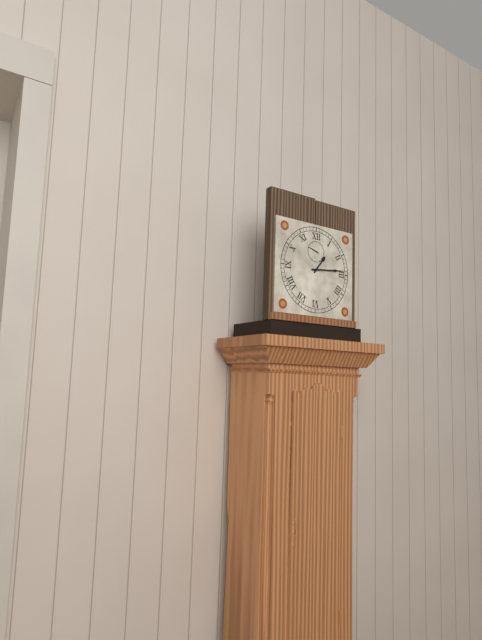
1:14
